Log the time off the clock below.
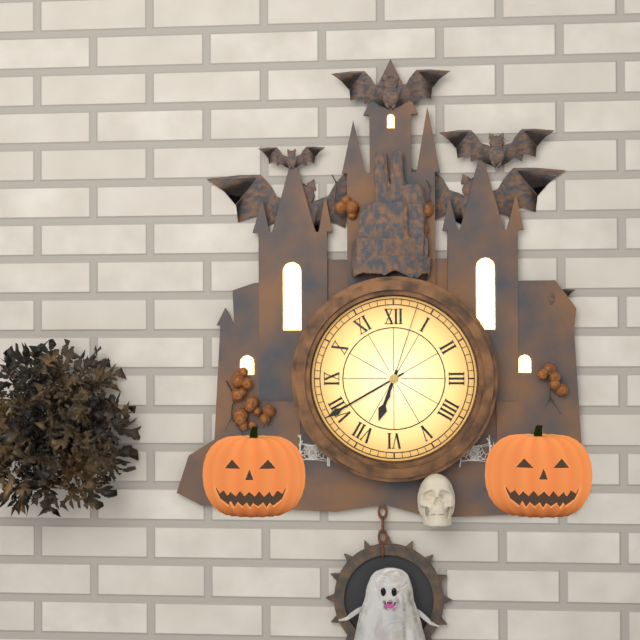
6:40:03
